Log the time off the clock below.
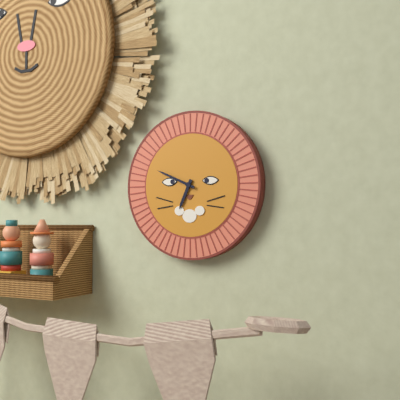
6:49
